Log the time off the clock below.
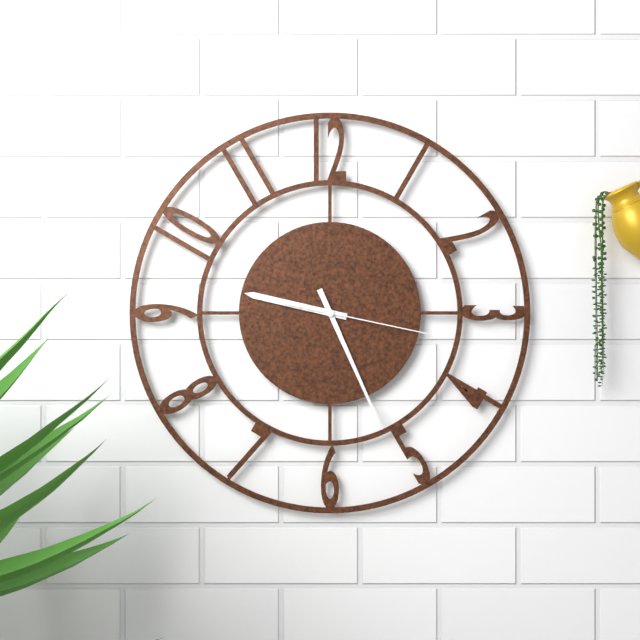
9:26:17
